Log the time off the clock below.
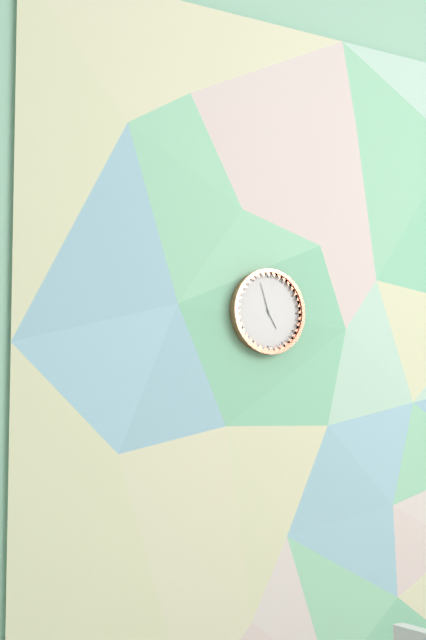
4:57
